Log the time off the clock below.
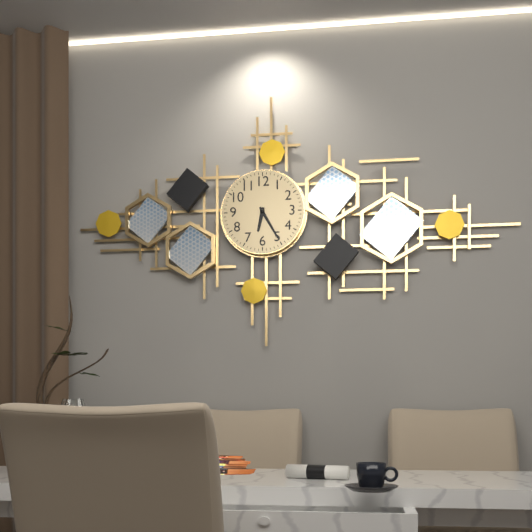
6:25
